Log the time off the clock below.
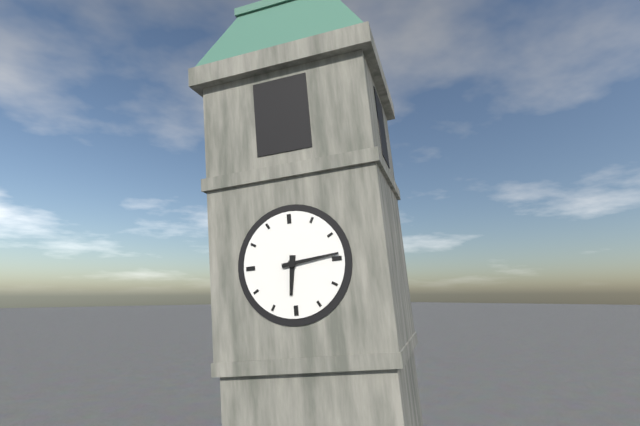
6:14
